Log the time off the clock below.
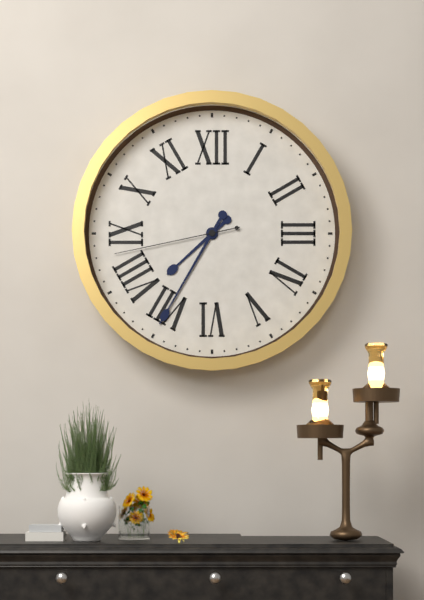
7:35:43
